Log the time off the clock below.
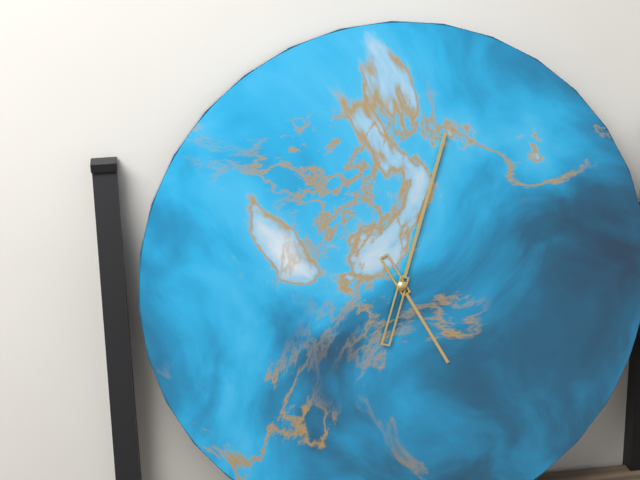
5:03
